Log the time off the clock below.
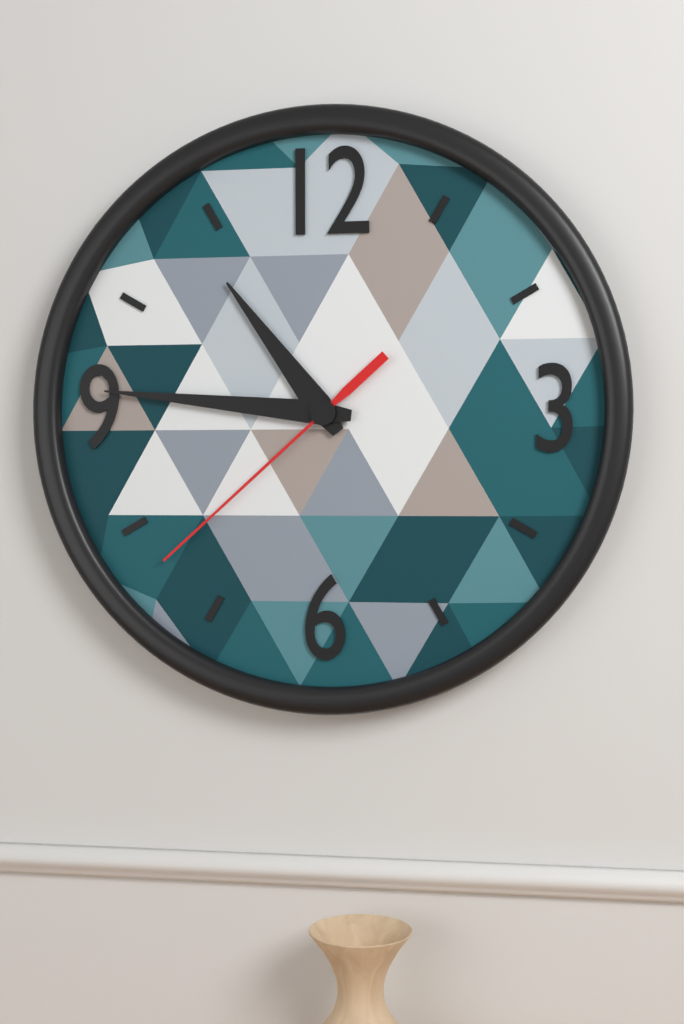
10:46:38
